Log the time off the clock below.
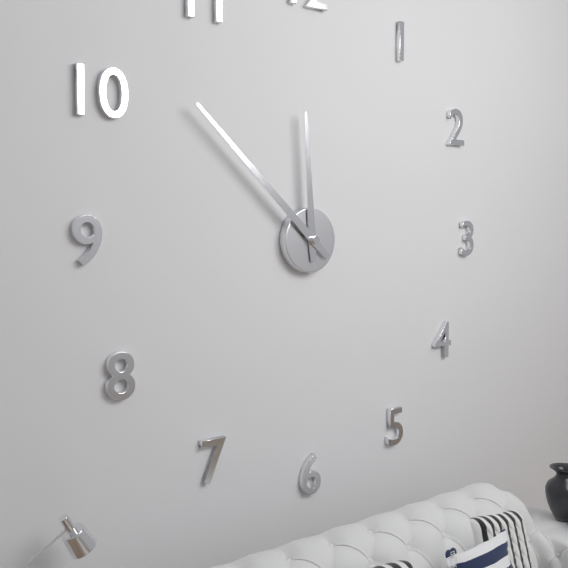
11:52
